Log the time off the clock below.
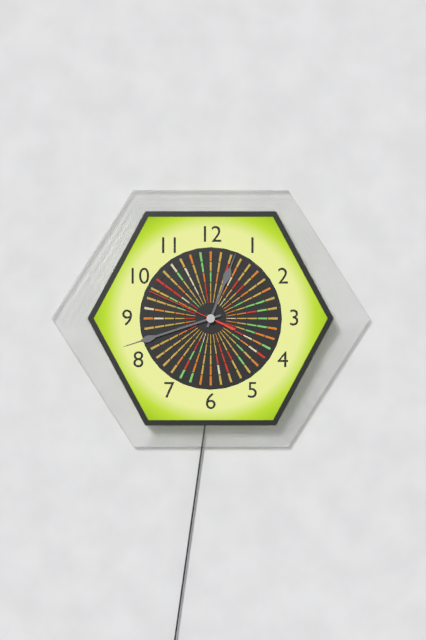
12:42:49
